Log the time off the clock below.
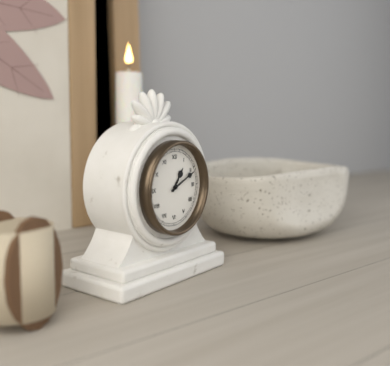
1:11
